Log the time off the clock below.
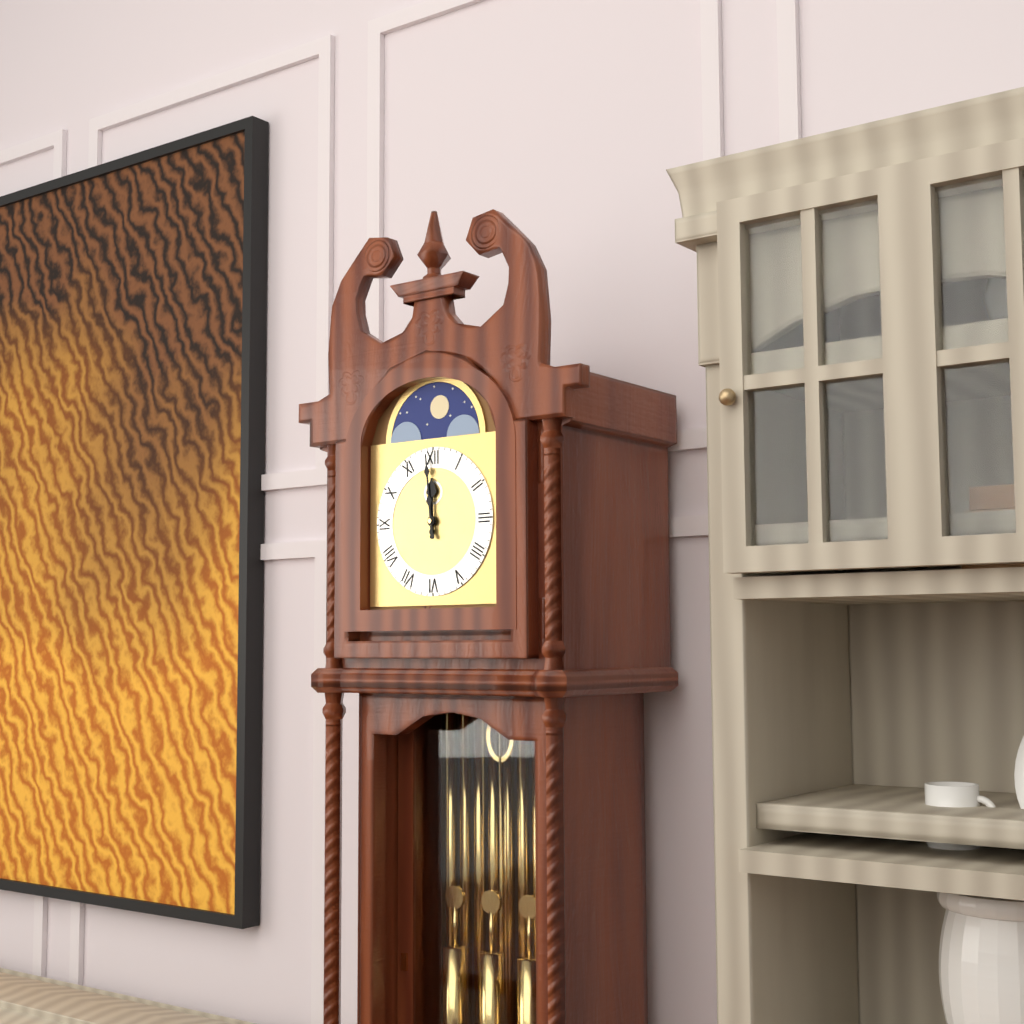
11:59
